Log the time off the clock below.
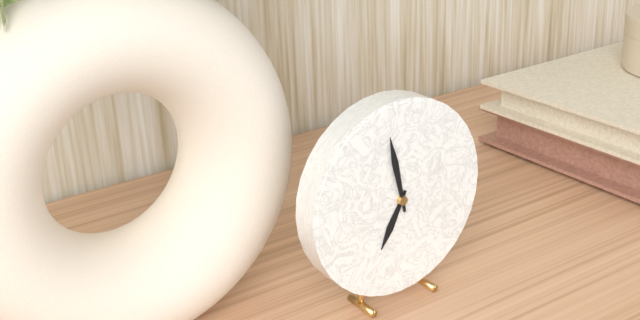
6:58
